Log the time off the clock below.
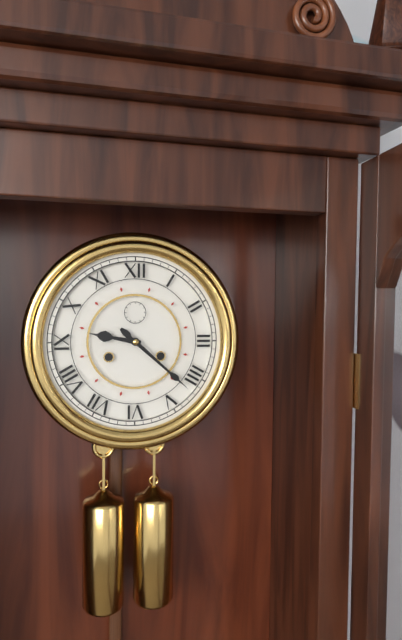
9:22
